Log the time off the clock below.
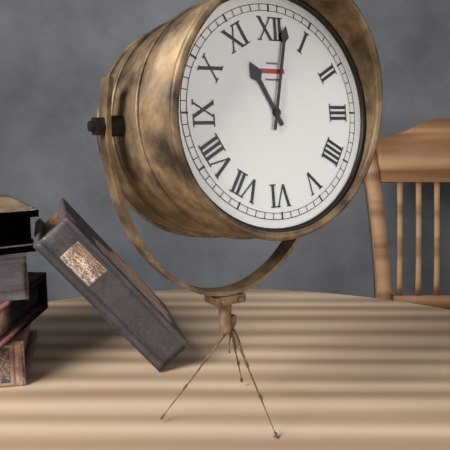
11:02
